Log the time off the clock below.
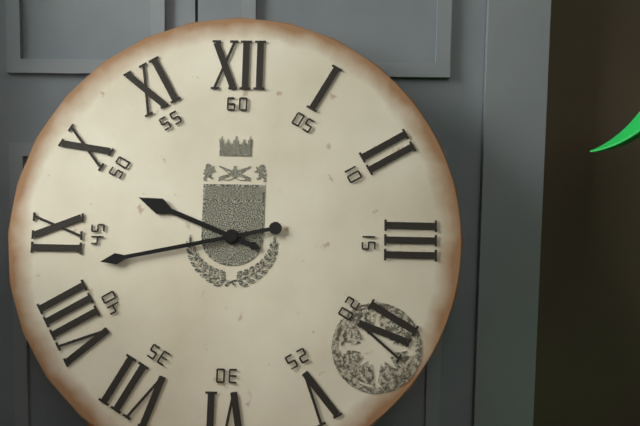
9:43
